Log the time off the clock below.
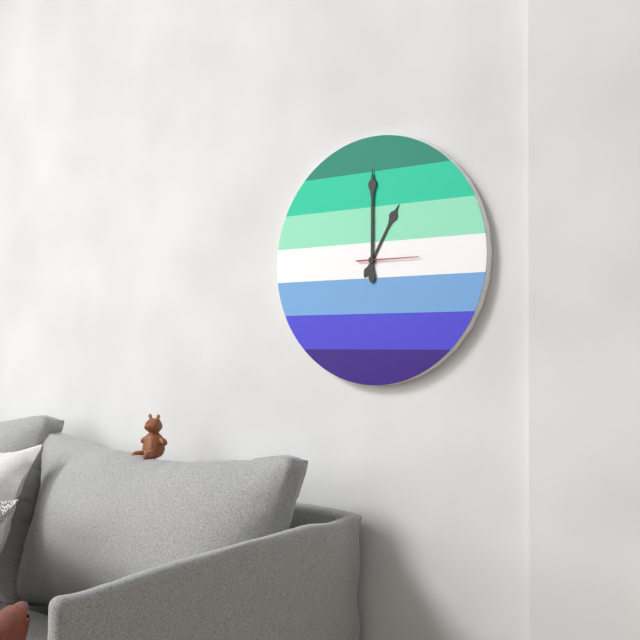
1:00:15
